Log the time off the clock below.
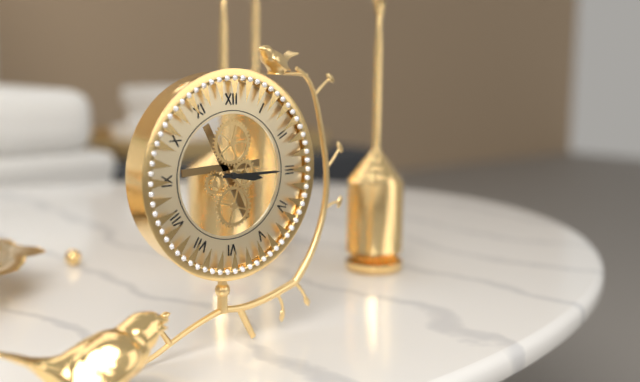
3:15
